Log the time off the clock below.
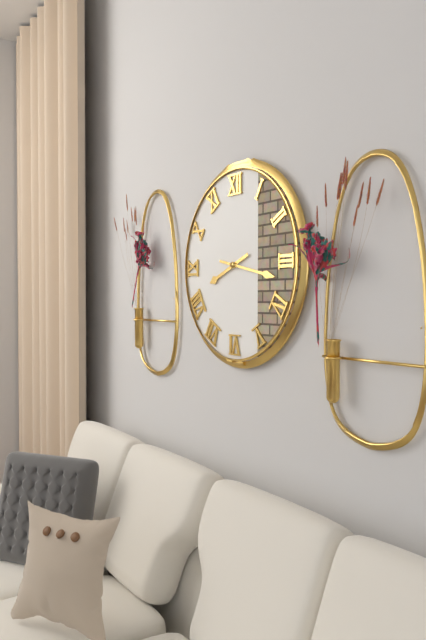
8:17
